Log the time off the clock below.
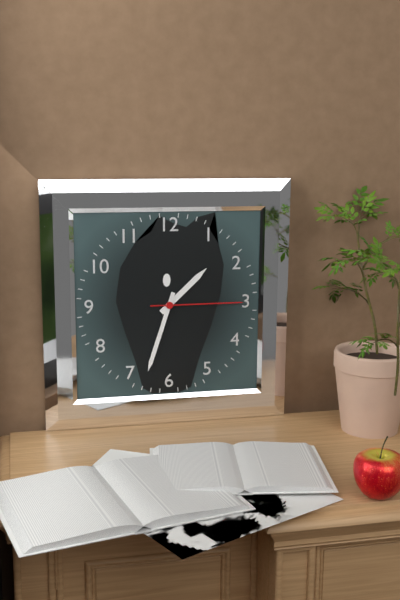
1:33:15
